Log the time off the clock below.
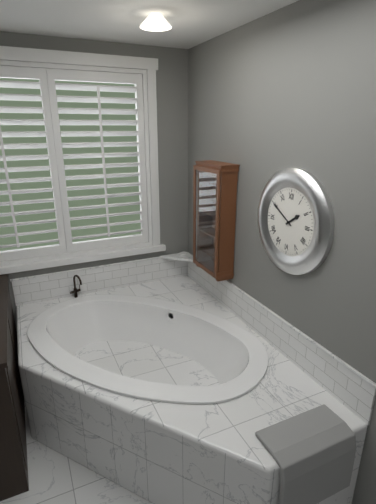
1:50
